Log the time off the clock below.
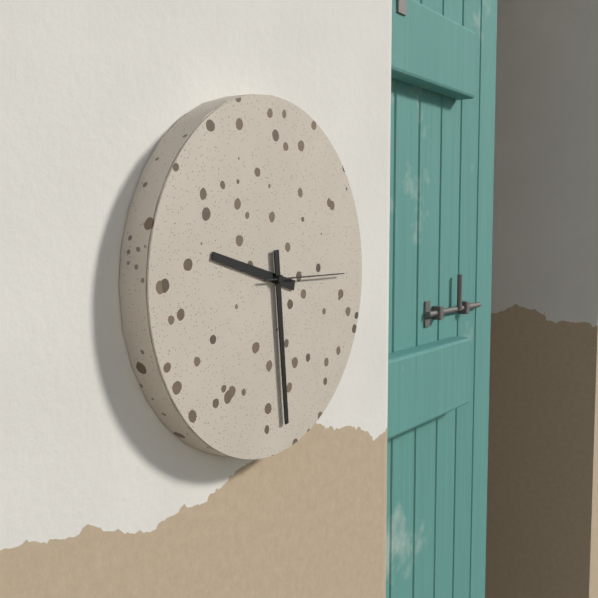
9:29:15
